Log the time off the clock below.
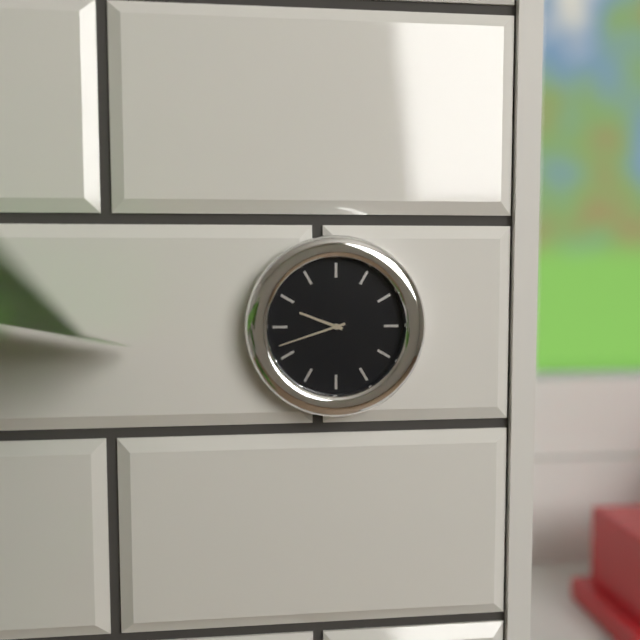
9:42
